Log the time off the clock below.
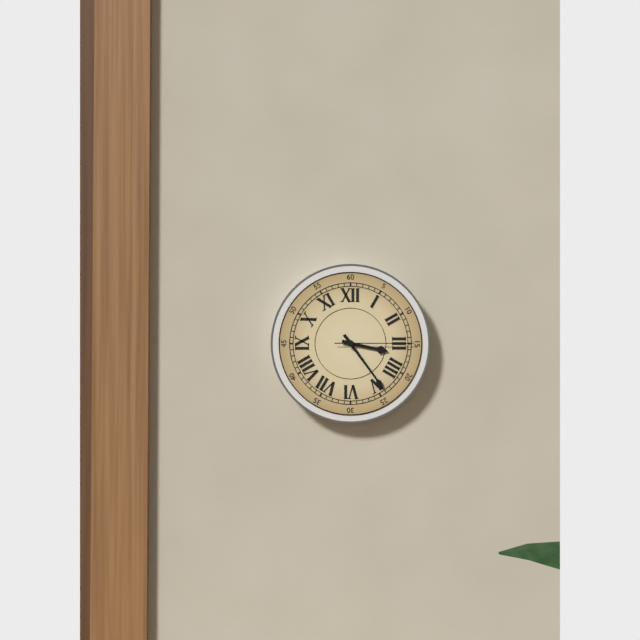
3:24:15
